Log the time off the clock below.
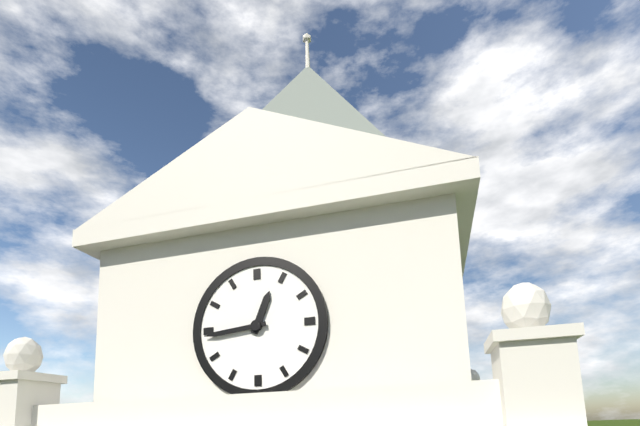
12:44
